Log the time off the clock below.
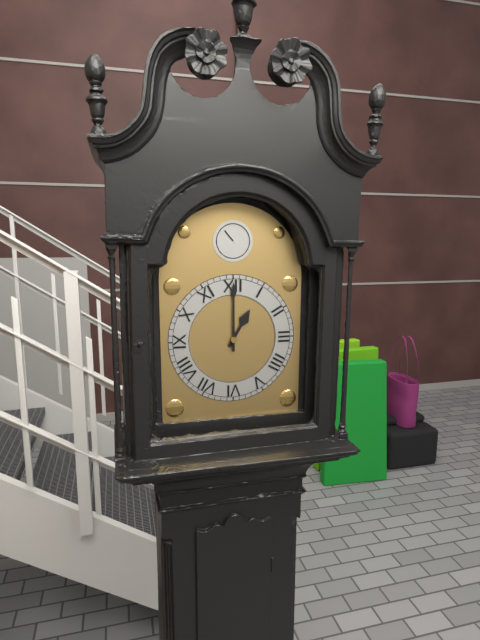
1:00
